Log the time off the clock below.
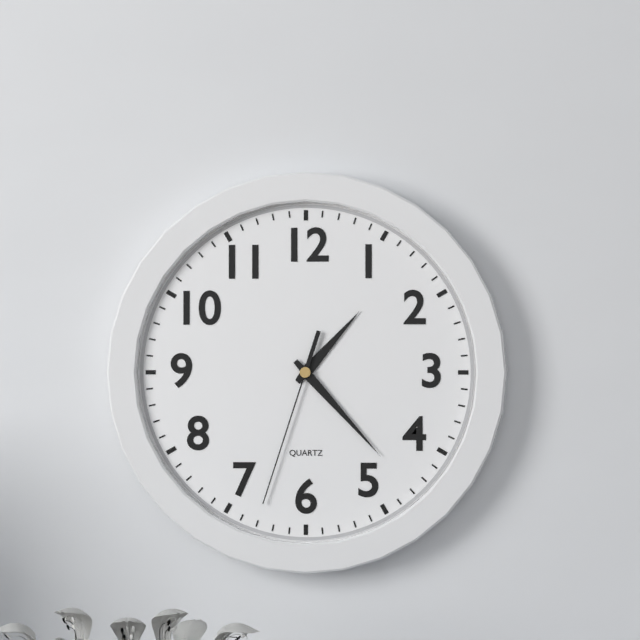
1:23:33
